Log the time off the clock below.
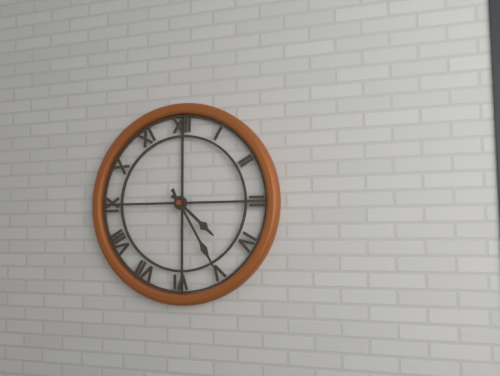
4:25
